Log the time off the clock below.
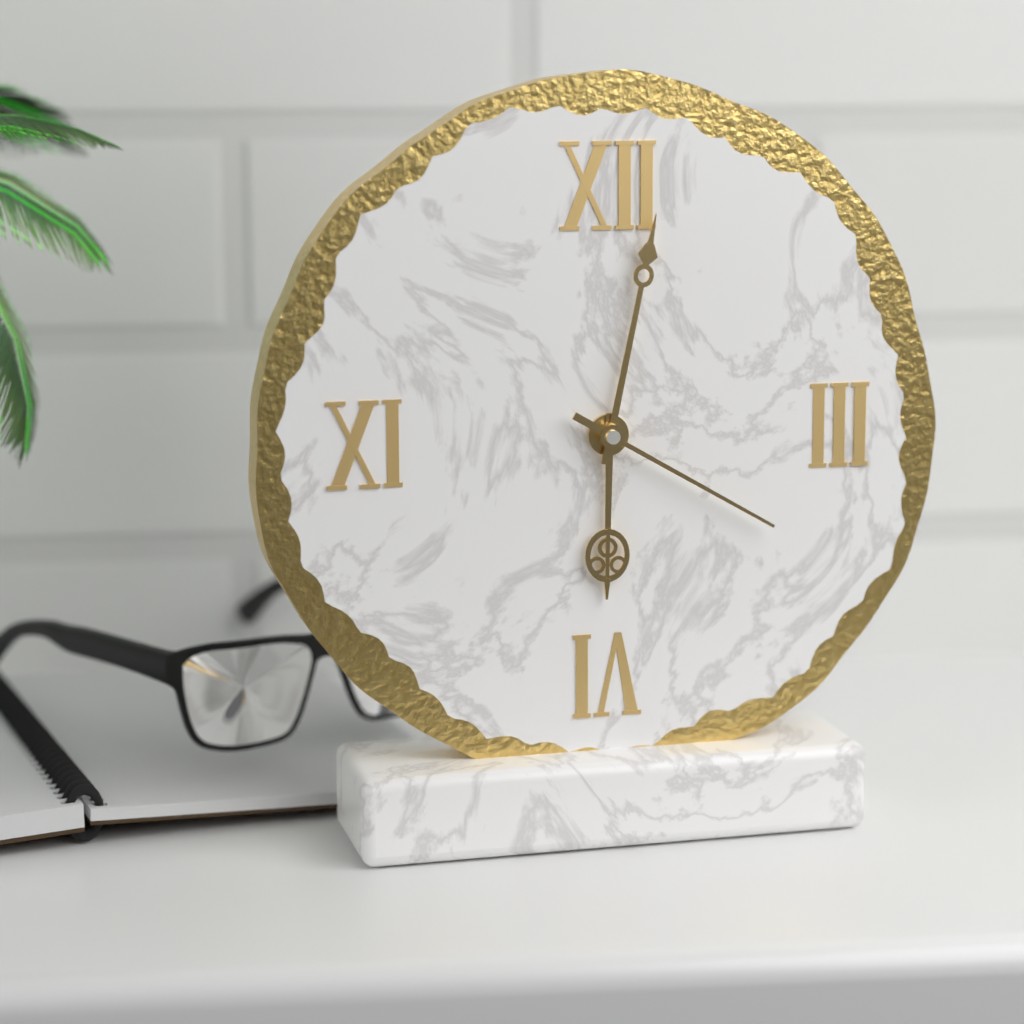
6:02:20
